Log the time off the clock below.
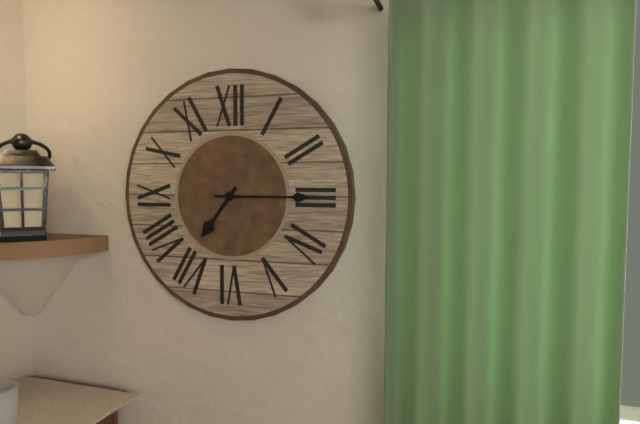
7:15
